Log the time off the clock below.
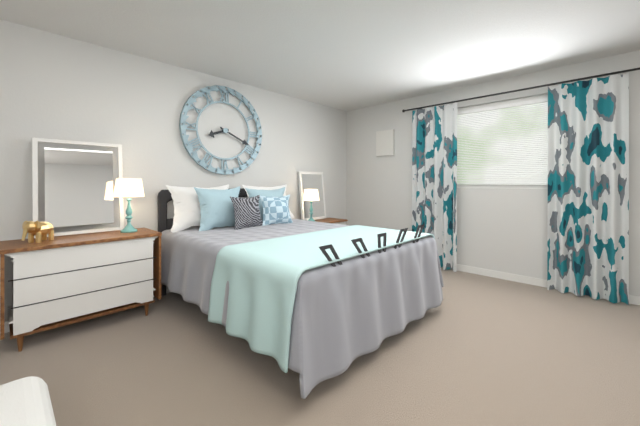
8:19
